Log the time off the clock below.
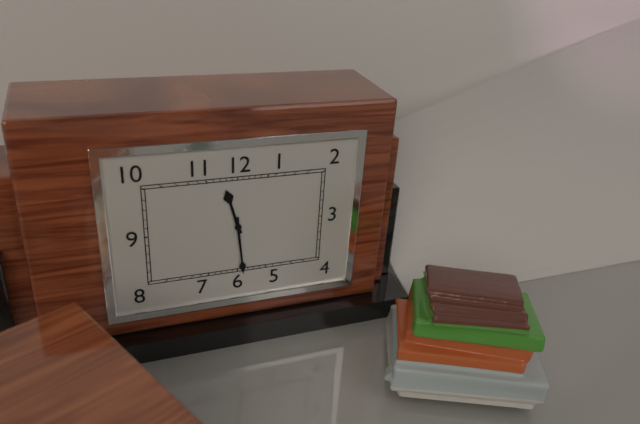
11:29
